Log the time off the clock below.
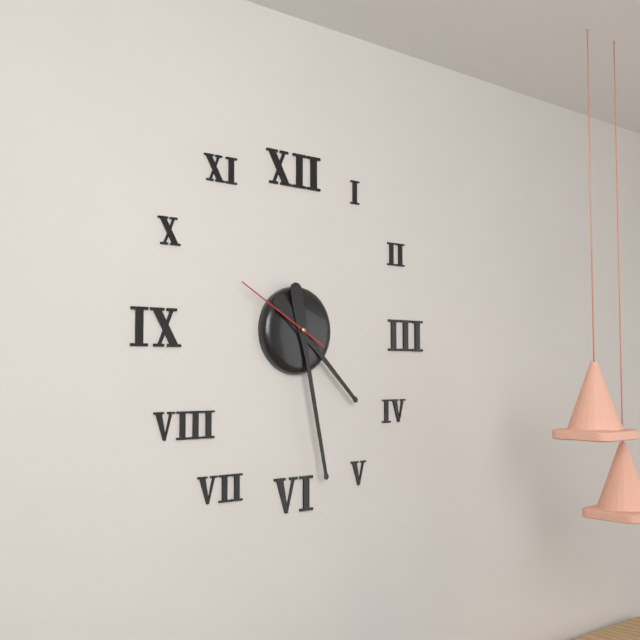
4:28:50
